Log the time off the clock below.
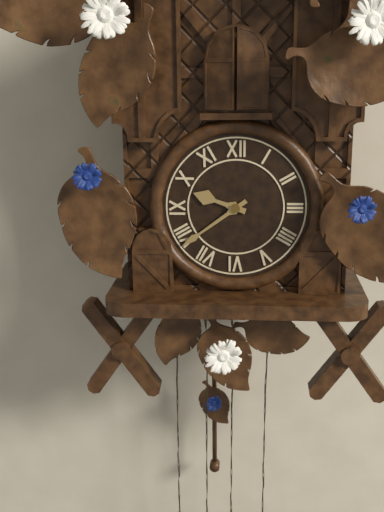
9:39
